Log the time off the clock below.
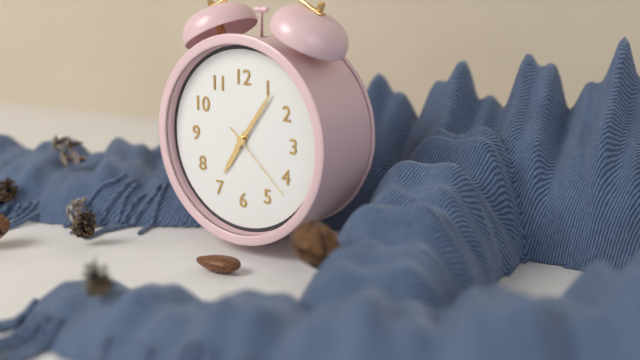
7:06:22
